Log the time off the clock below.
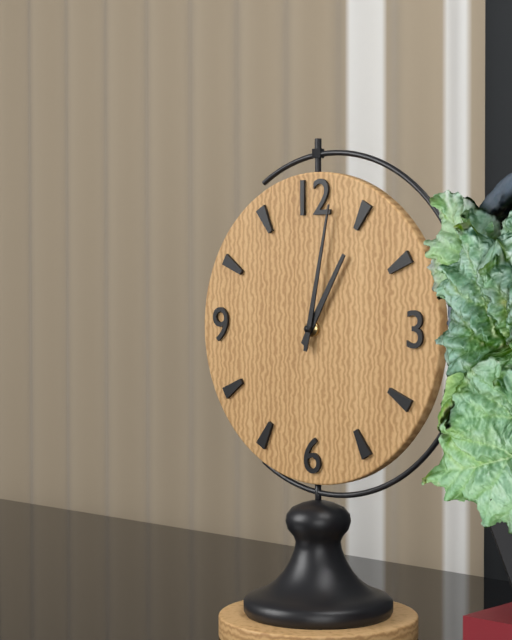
1:02
